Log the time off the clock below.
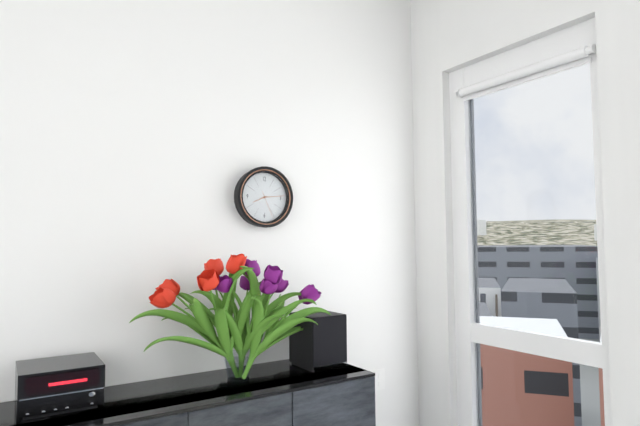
8:14
